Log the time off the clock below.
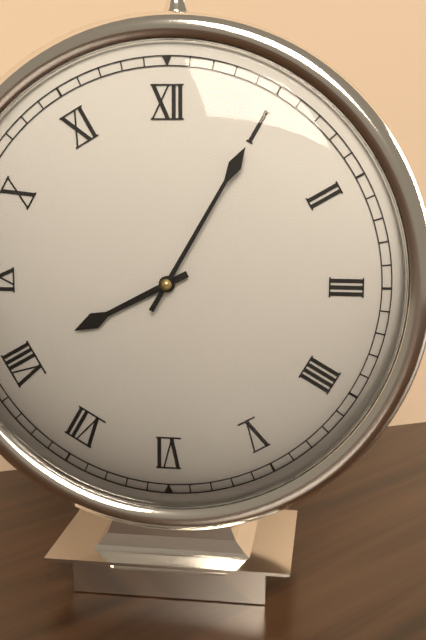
8:05
